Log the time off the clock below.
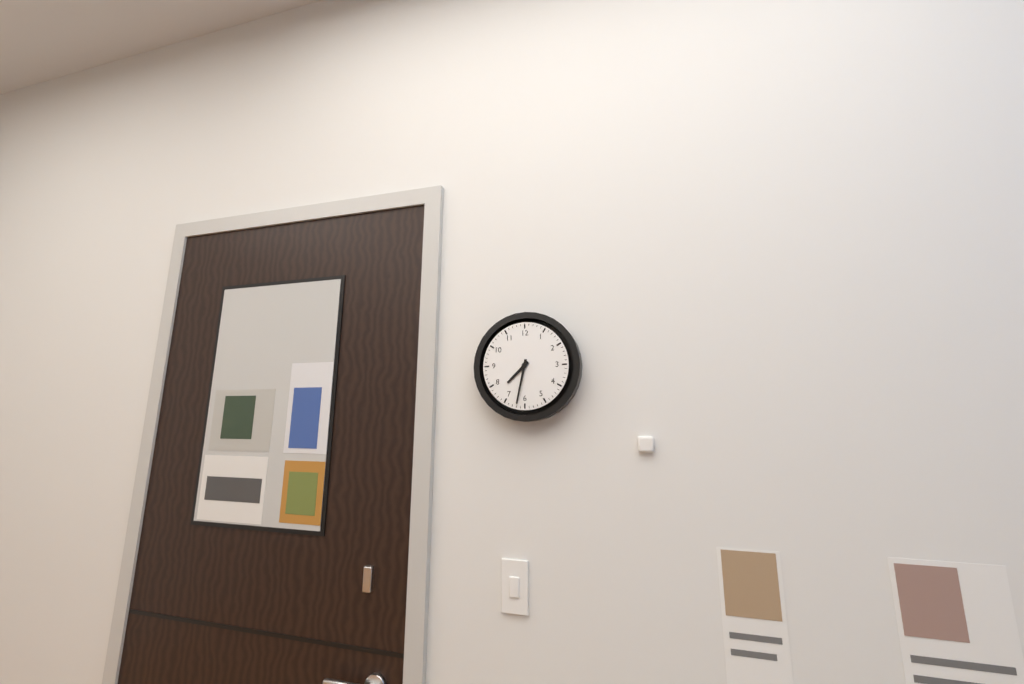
7:32
